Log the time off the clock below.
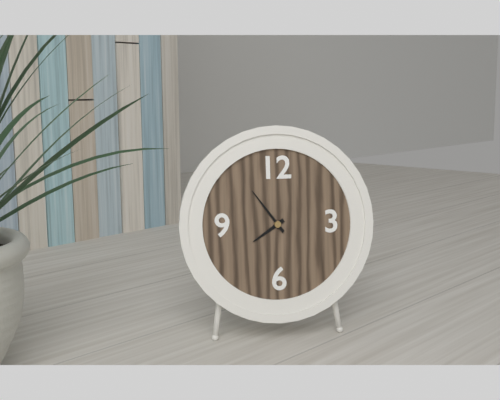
7:54
